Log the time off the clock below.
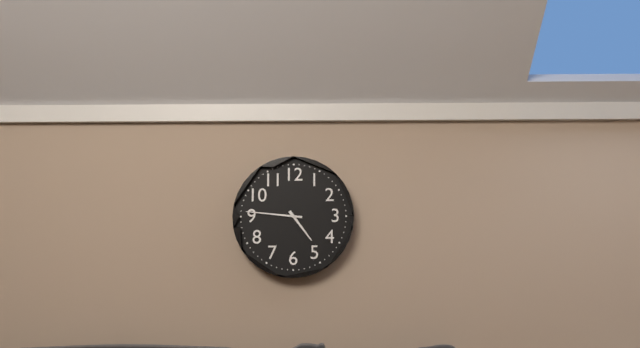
4:46
